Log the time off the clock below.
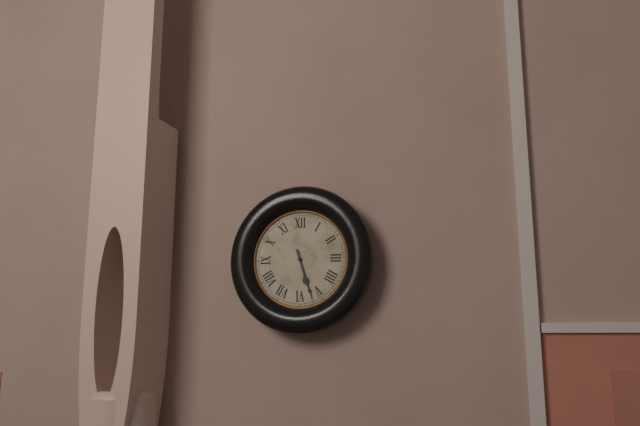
5:27
